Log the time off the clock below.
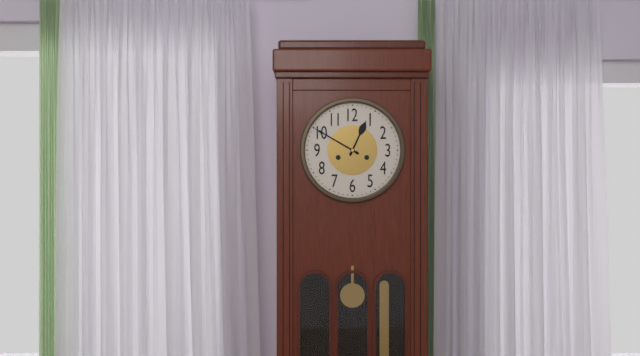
12:50
